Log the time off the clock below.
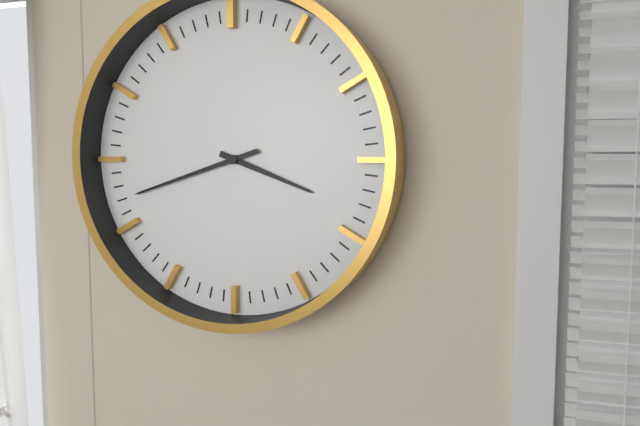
3:42
